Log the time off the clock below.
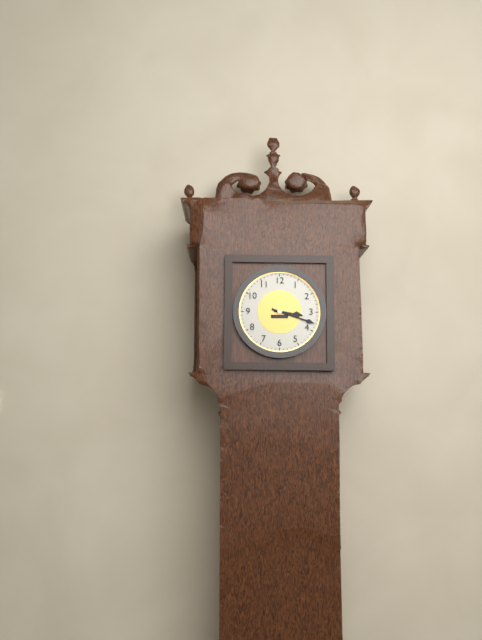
3:18
